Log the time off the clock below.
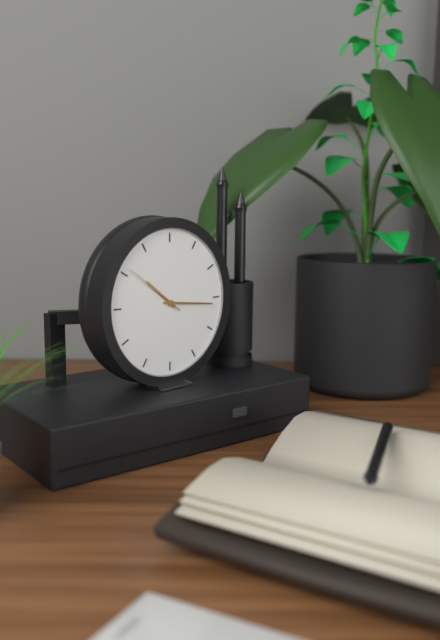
10:16:51
